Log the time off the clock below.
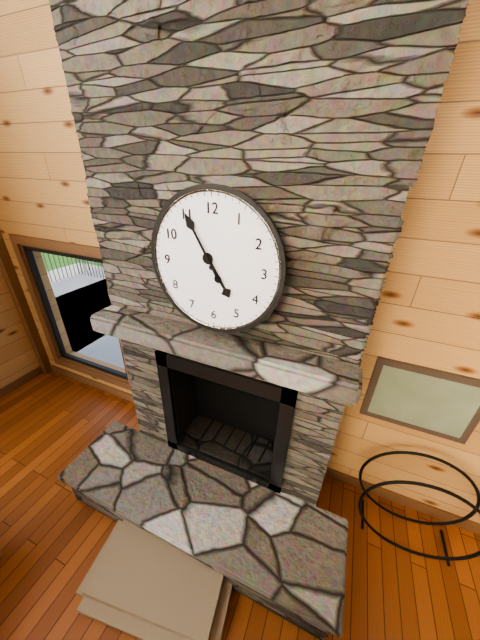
4:55
